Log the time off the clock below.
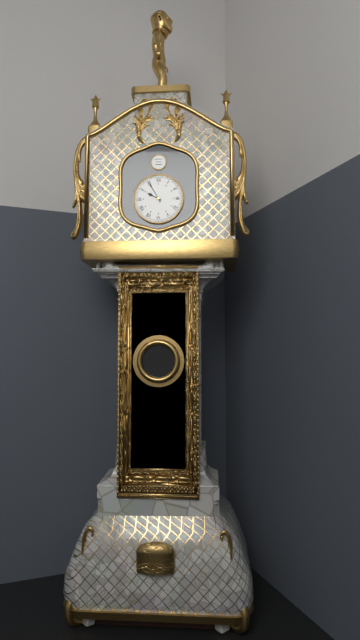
9:55
